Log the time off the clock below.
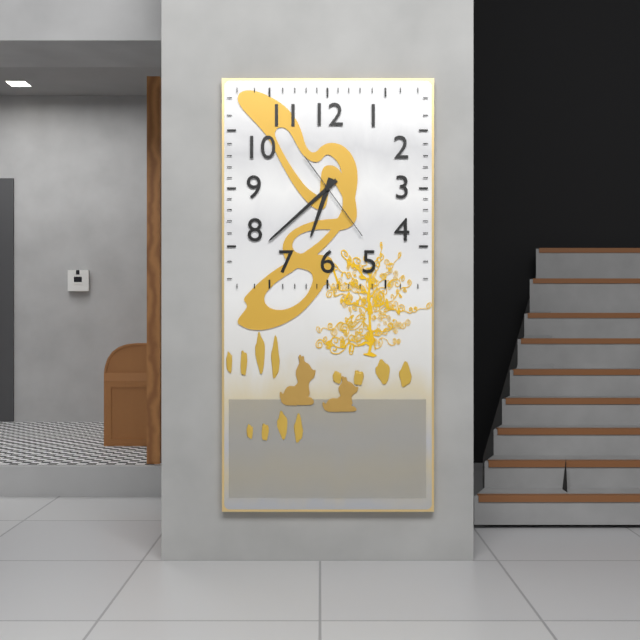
6:38:24
